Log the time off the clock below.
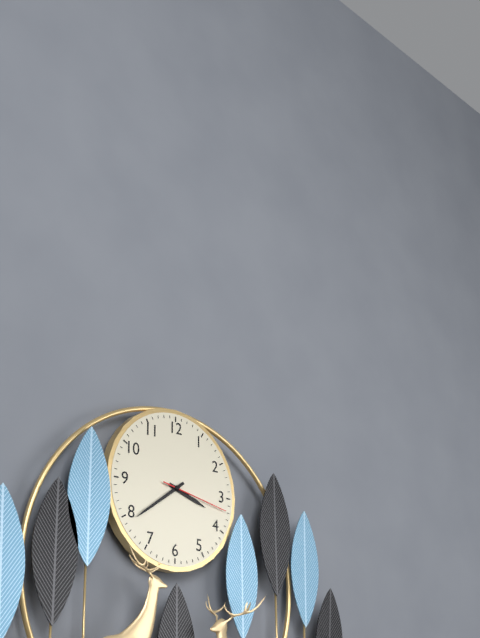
3:39:17
